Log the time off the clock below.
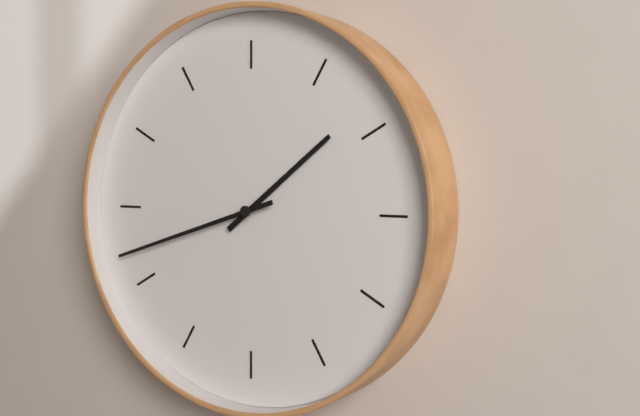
1:42
